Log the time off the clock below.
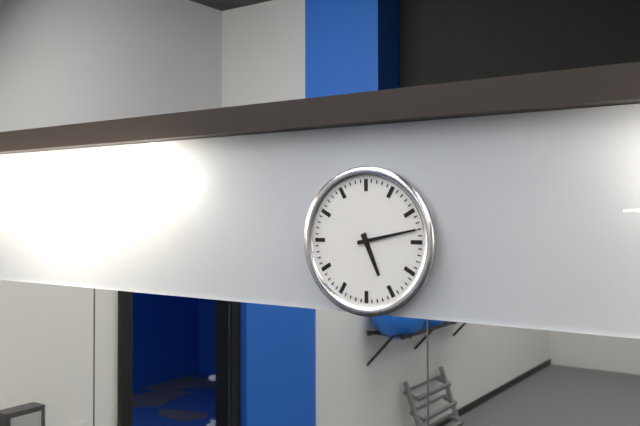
5:13
